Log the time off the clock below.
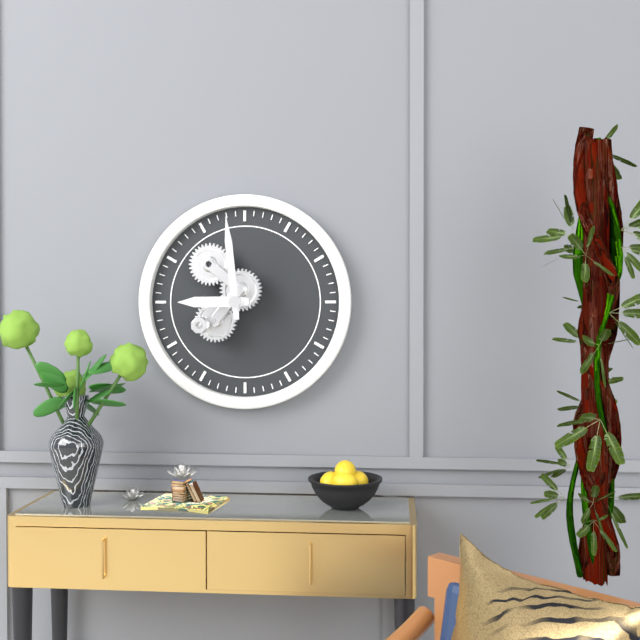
8:59
